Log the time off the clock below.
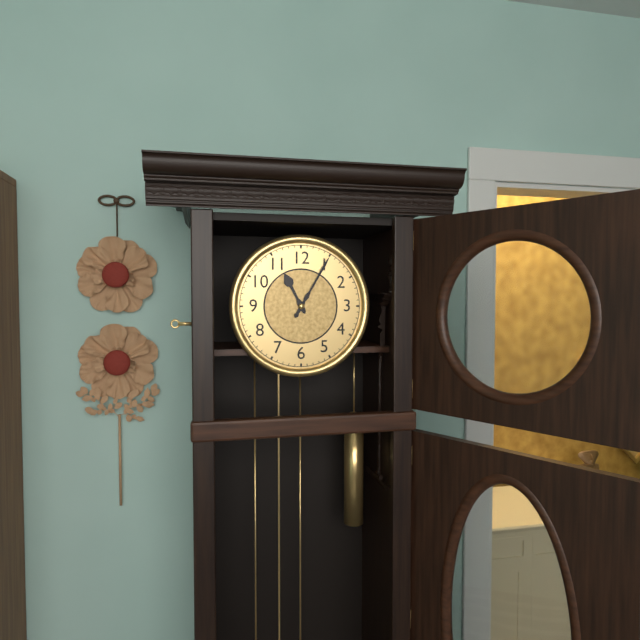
11:05
